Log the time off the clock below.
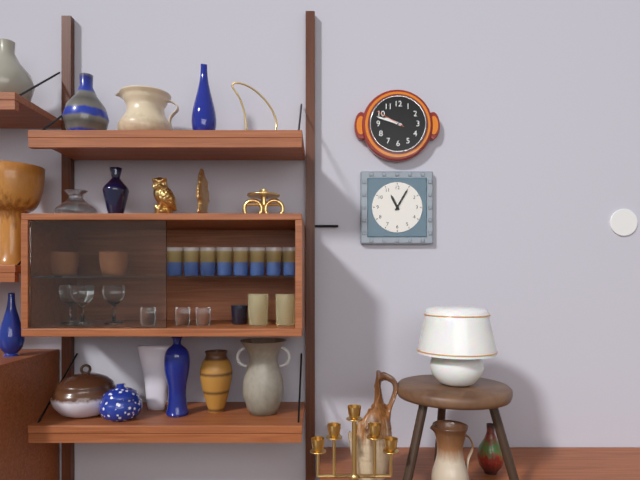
9:48
